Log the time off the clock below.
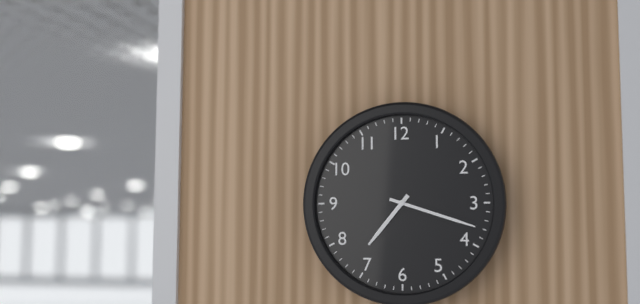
7:18
